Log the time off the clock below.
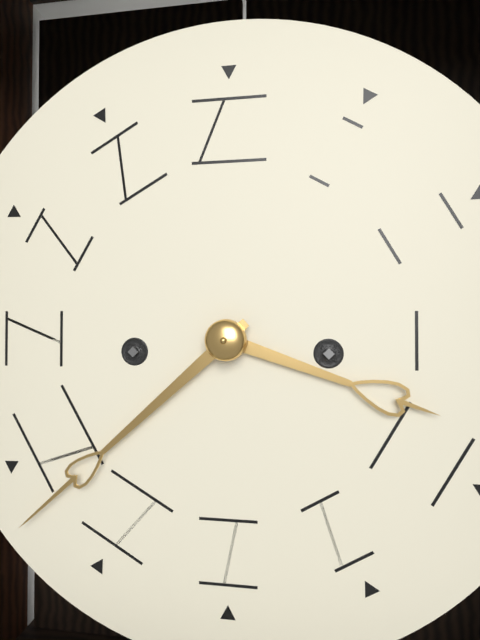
3:38
